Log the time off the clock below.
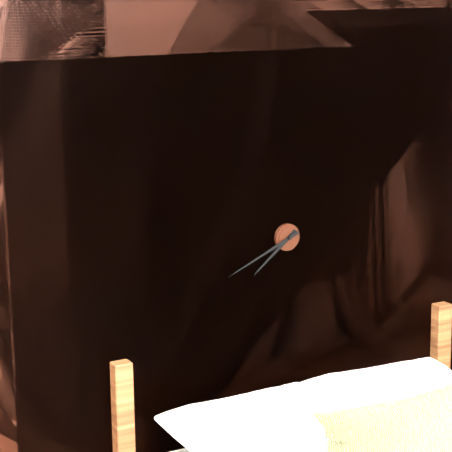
7:41
